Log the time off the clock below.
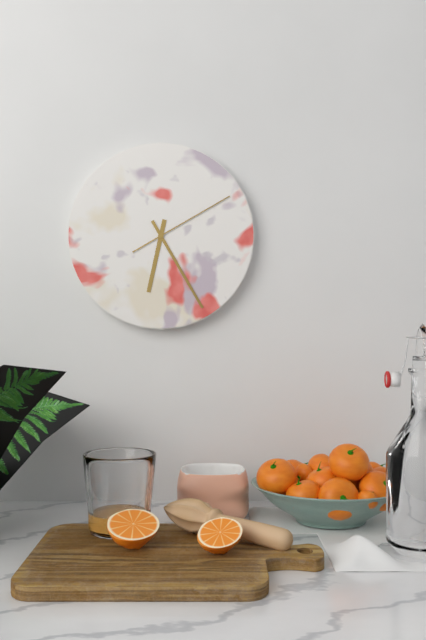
6:25:10
